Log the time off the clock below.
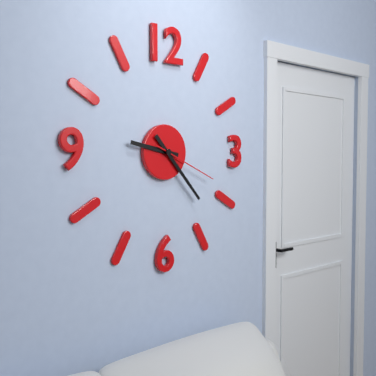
9:23:19
